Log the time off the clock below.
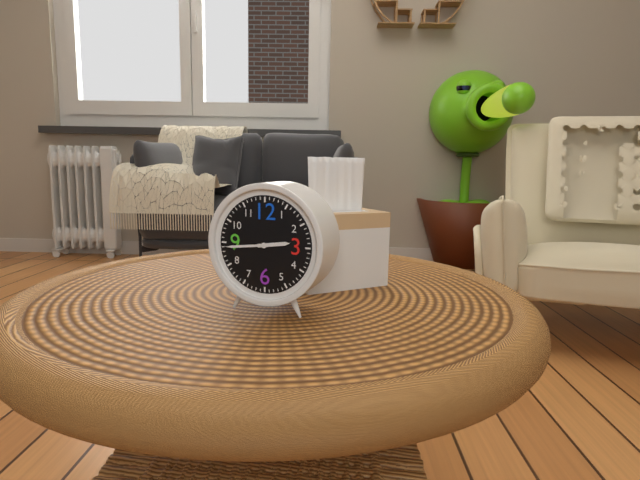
2:44
